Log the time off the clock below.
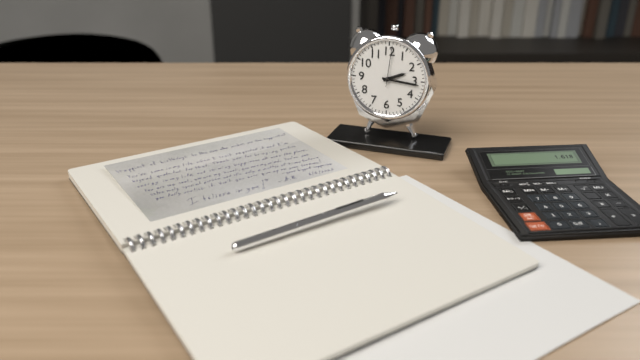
2:16
